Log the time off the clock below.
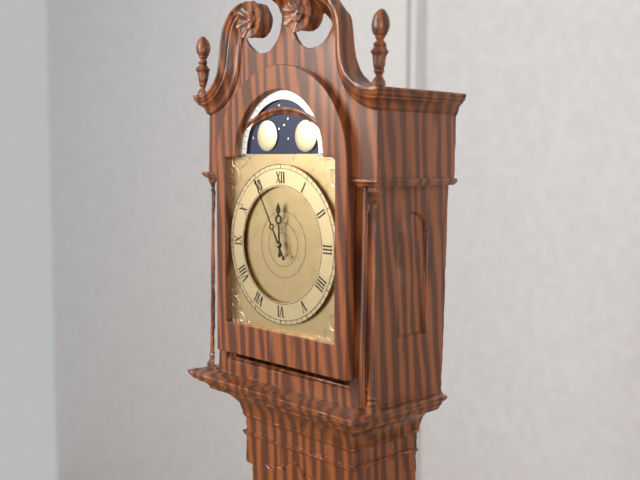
11:55
